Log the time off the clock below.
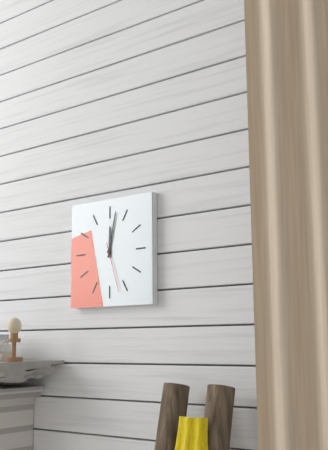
12:02:27
